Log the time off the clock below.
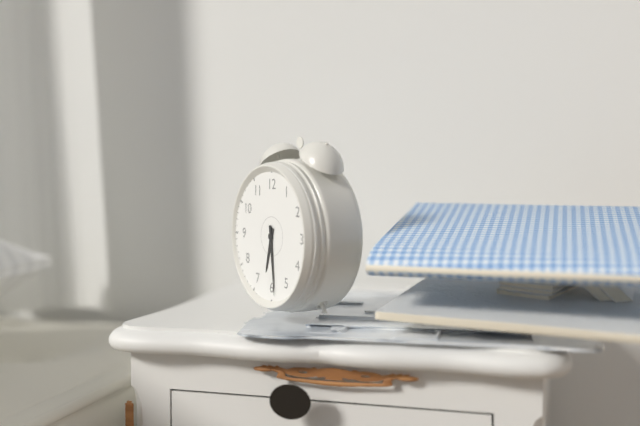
6:29
